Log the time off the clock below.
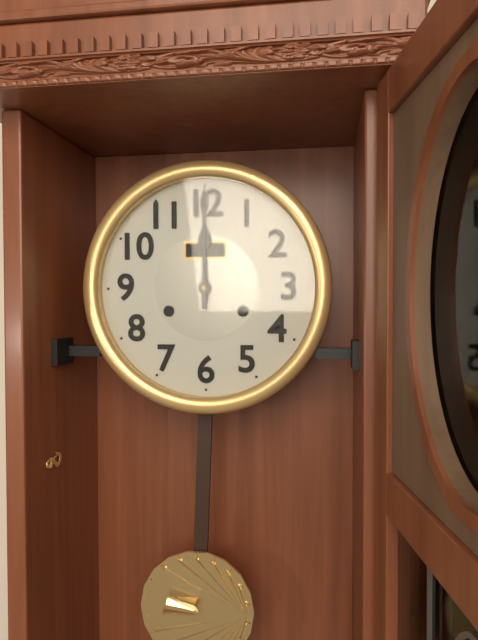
12:00
